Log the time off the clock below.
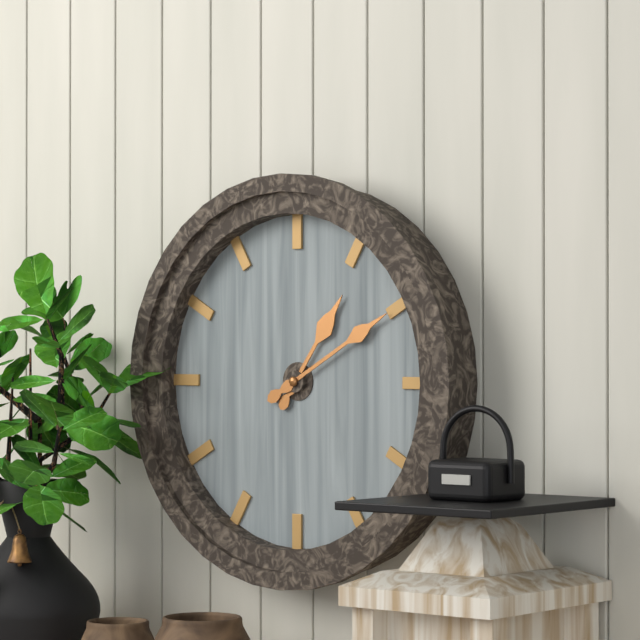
1:10
